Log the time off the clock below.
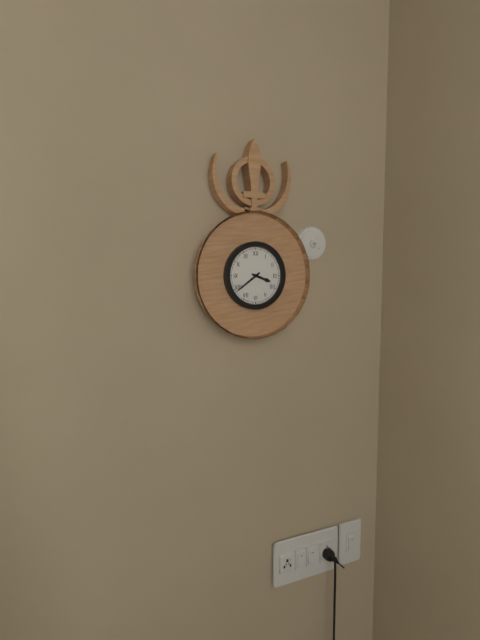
3:39
